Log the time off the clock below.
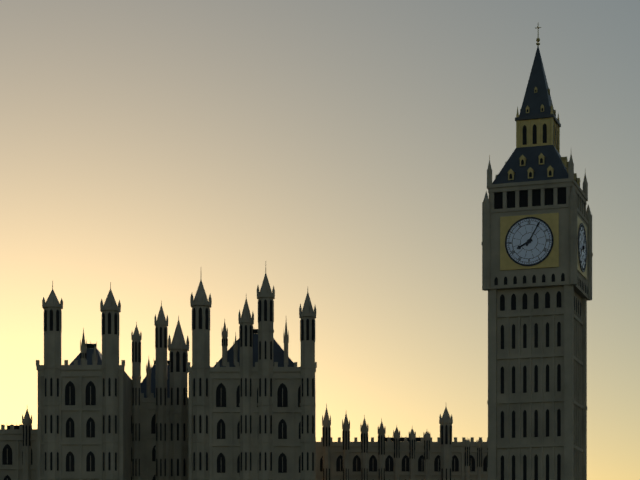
8:05
